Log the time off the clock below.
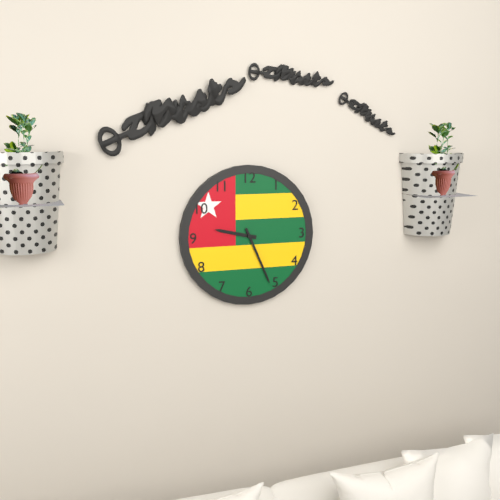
9:26
